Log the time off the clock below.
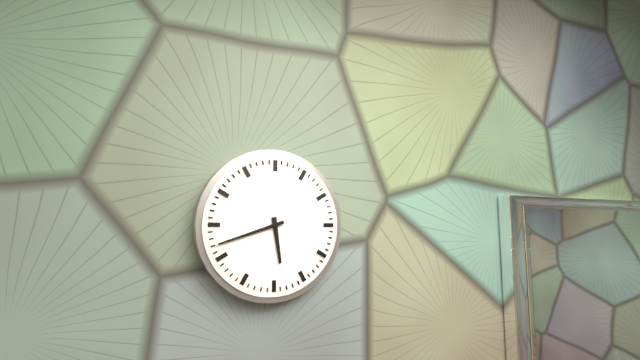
5:42
